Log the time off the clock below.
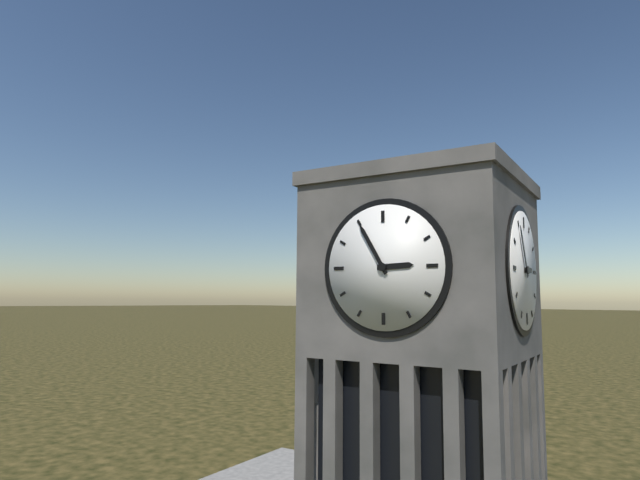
2:55
